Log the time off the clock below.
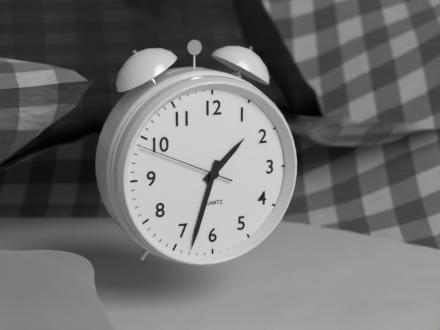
1:33:49
